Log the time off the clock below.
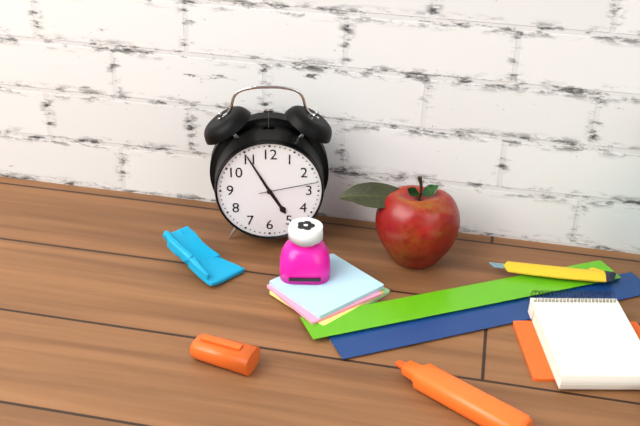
4:55:13
